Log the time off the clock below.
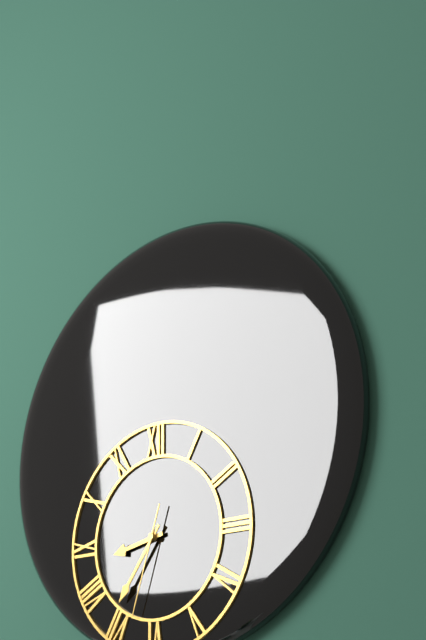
8:36:33
